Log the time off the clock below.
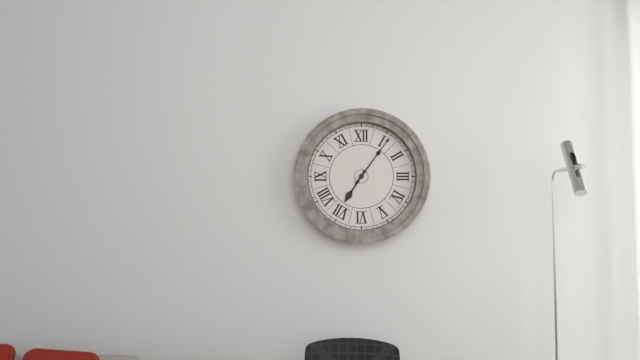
7:06
